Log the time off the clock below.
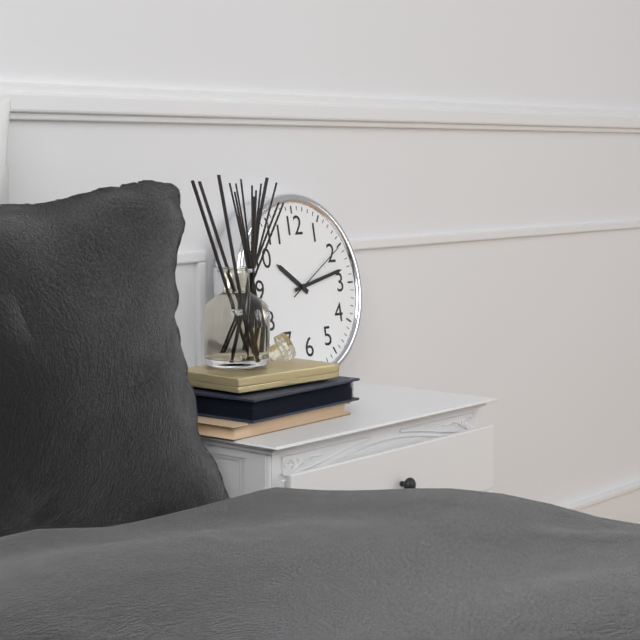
10:13:10
